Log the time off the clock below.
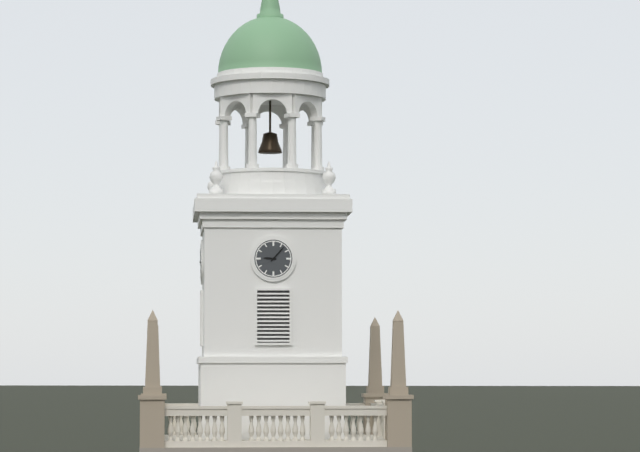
9:07
